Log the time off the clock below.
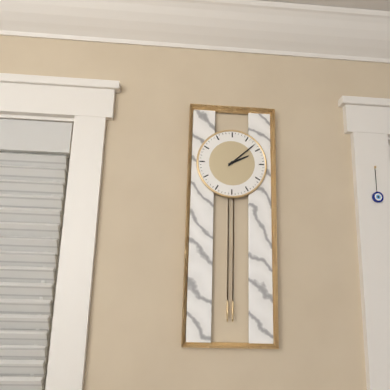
2:08
